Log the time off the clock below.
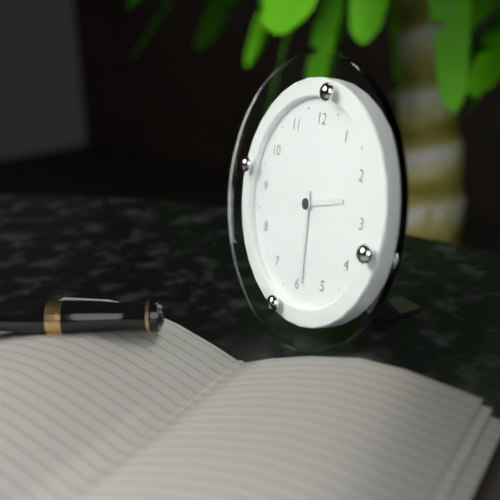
2:29
